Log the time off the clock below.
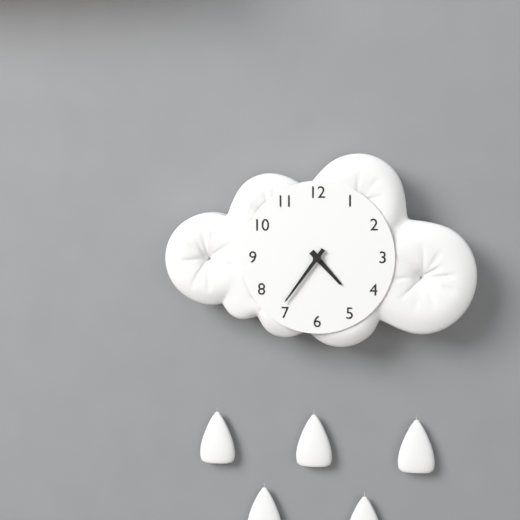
4:36
